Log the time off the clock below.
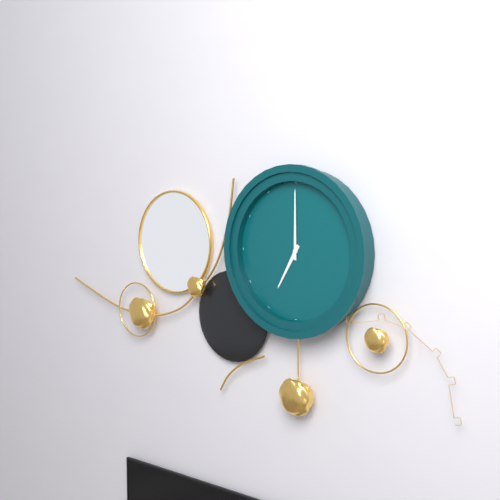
7:00
